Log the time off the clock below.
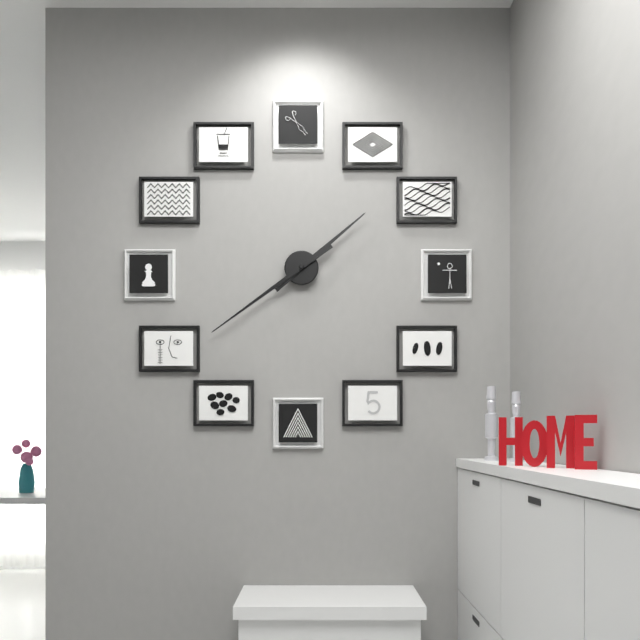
1:39
